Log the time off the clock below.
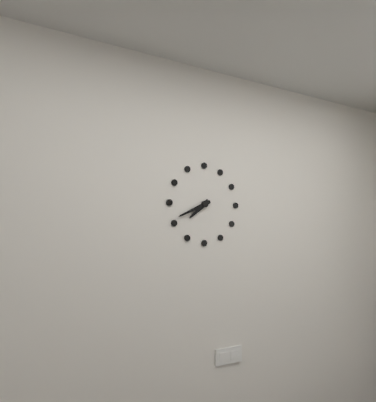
7:41
